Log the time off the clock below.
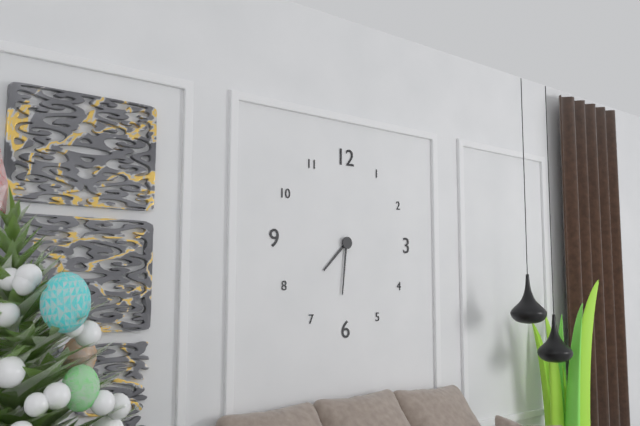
7:31
